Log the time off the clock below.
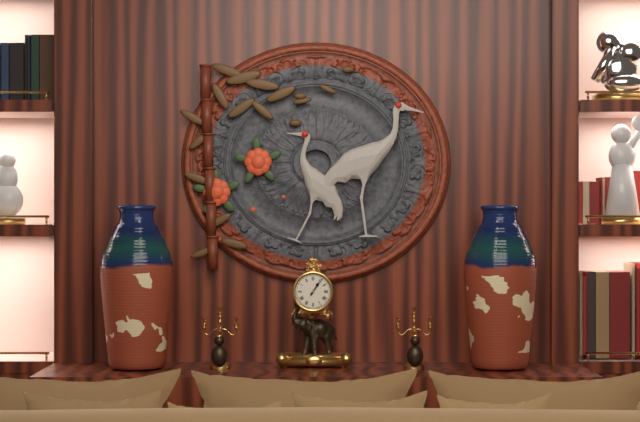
1:06
